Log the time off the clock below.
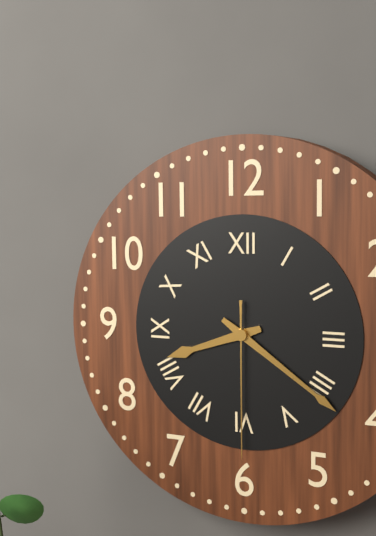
8:21:30
